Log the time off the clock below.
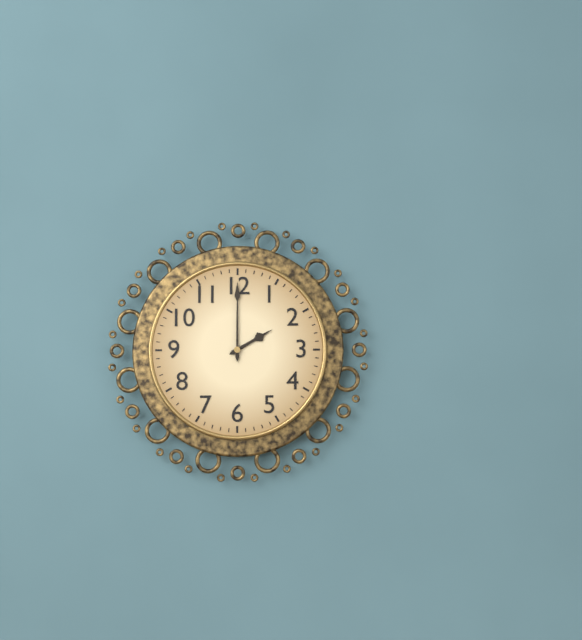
2:00
